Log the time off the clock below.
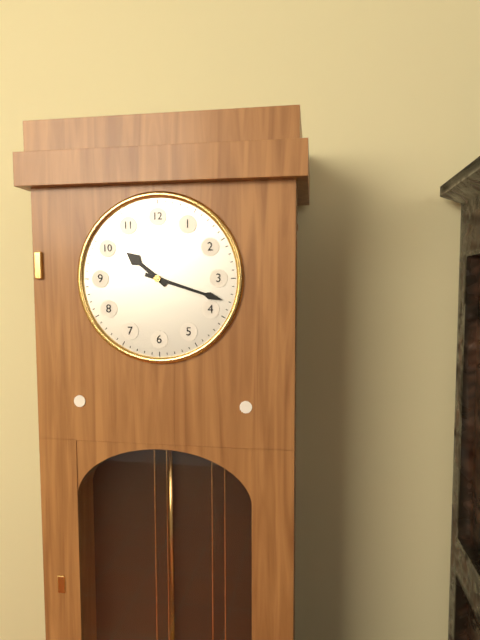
10:18
